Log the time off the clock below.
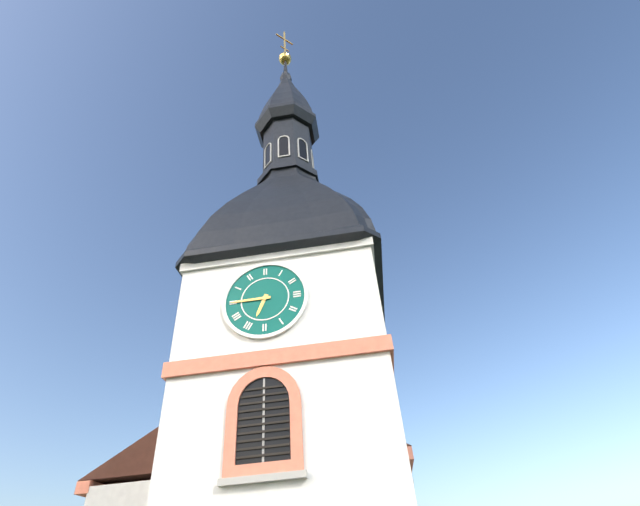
6:45
